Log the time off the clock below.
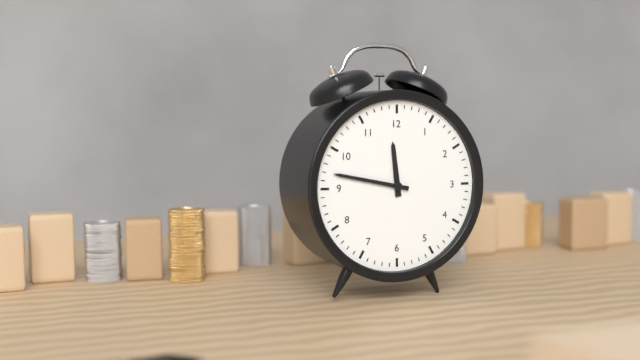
11:47
